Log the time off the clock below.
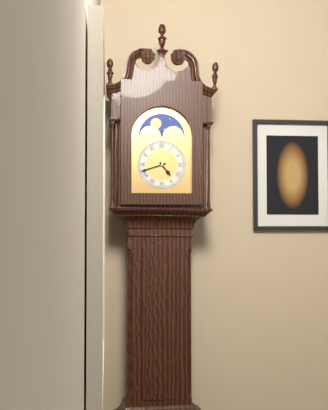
4:42
